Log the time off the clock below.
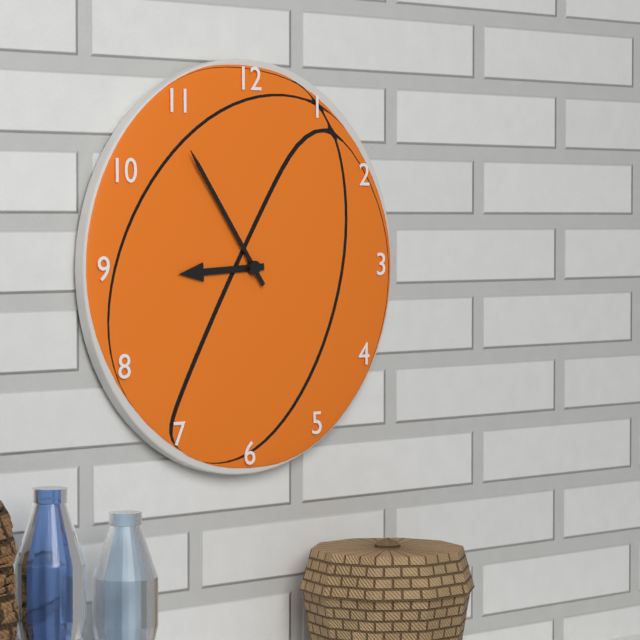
8:54
